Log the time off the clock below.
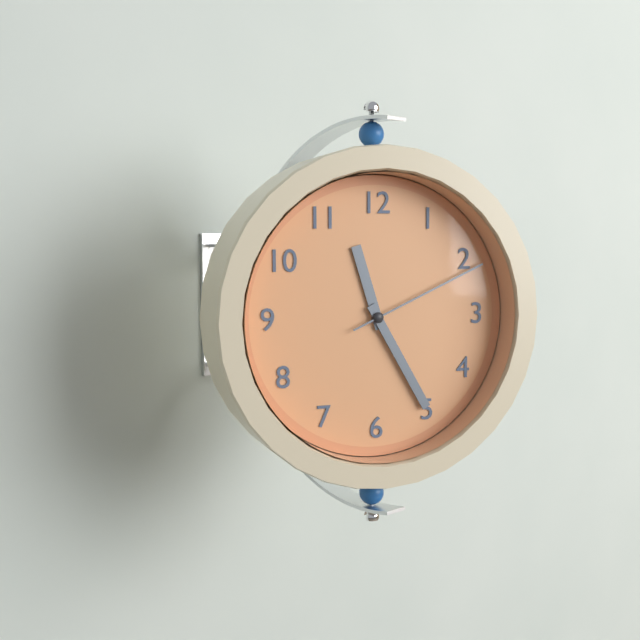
11:25:11
